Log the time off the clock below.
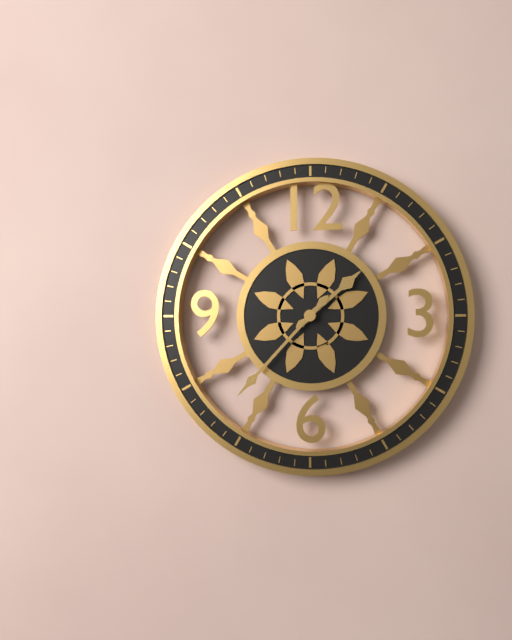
1:37
